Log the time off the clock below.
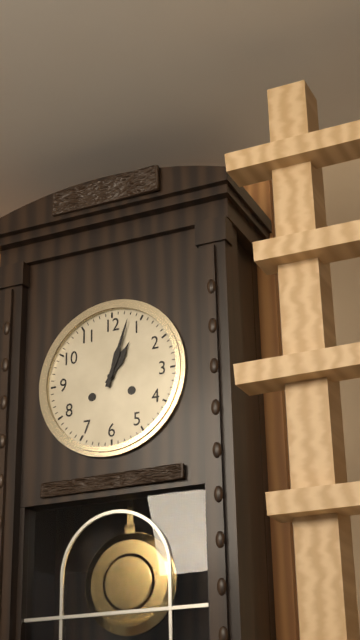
1:03
